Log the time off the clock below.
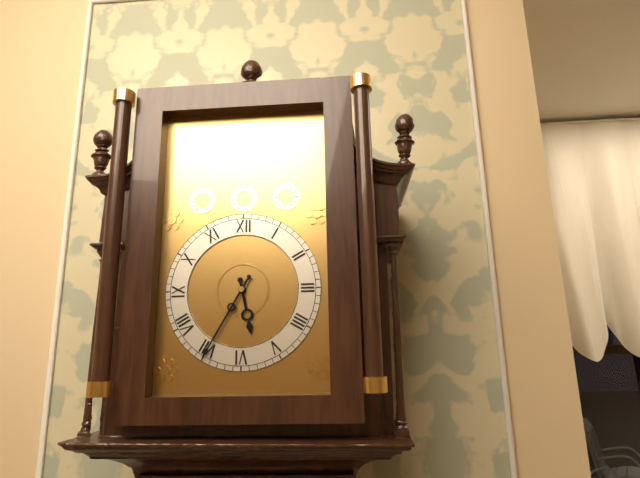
5:35
